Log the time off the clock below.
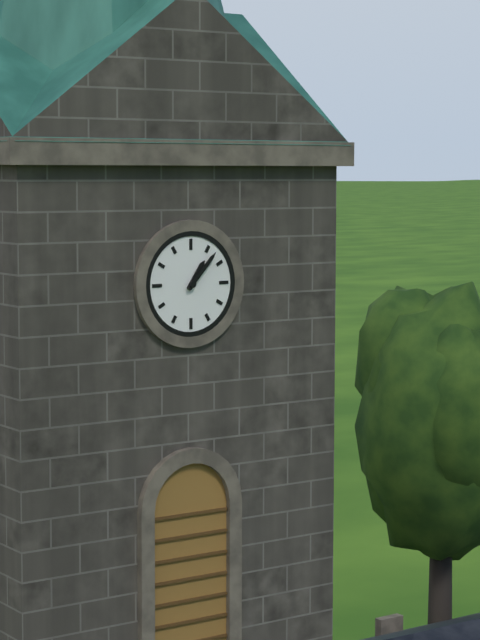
1:07
